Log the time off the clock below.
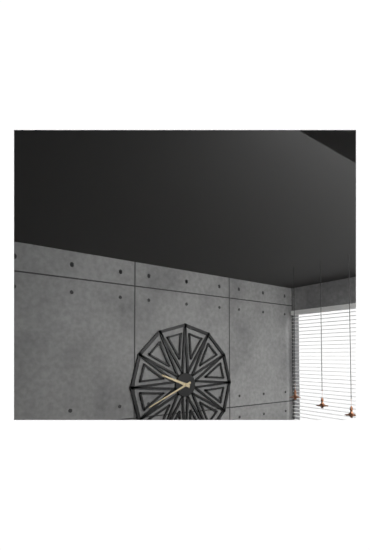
9:41
